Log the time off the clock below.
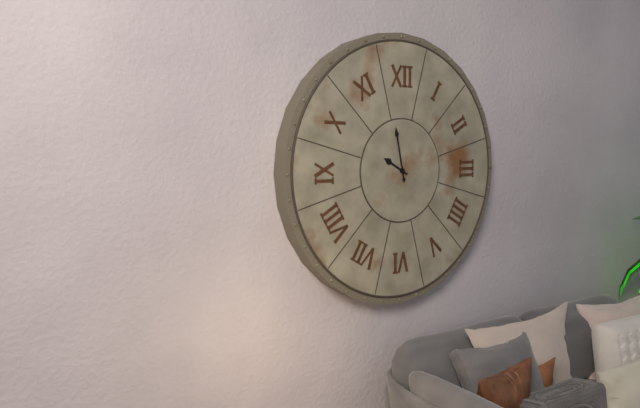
9:58
